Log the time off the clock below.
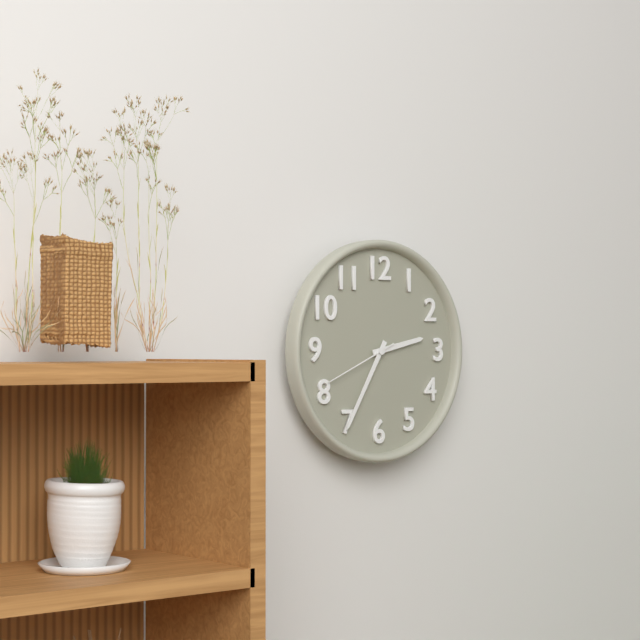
2:35:41
